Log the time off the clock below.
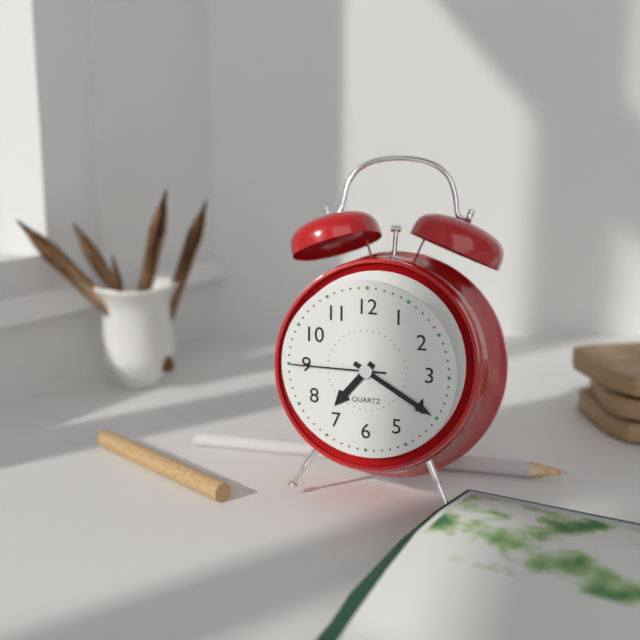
7:20:45
